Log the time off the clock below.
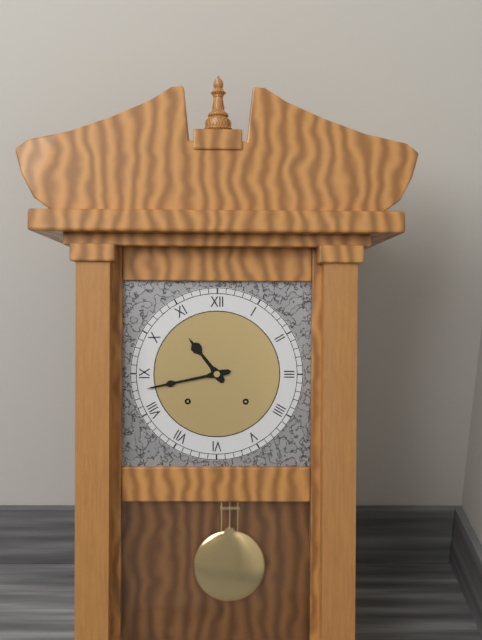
10:43
